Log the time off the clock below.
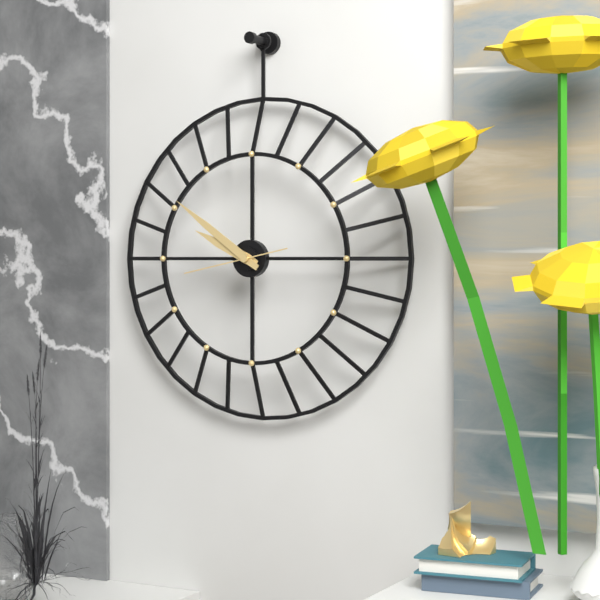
9:51:43
